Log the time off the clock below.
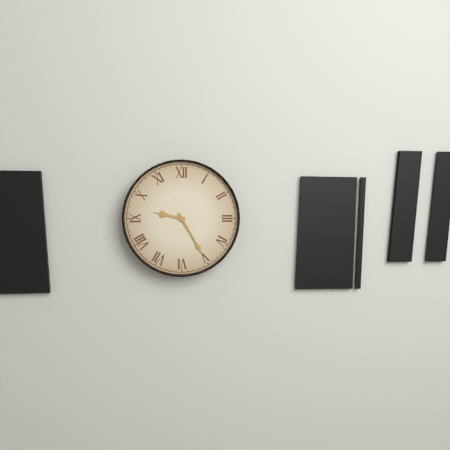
9:25
